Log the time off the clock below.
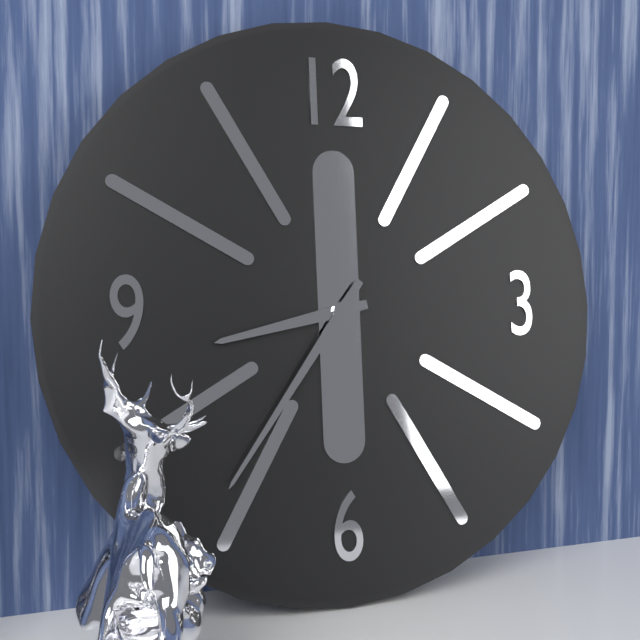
8:36
